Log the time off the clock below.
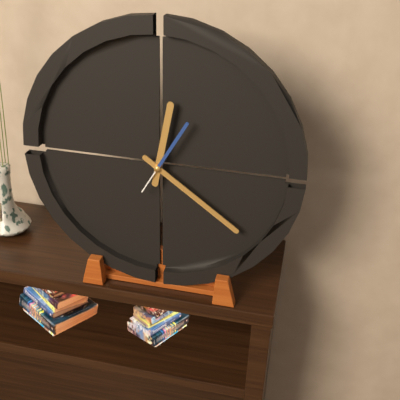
12:21:05
